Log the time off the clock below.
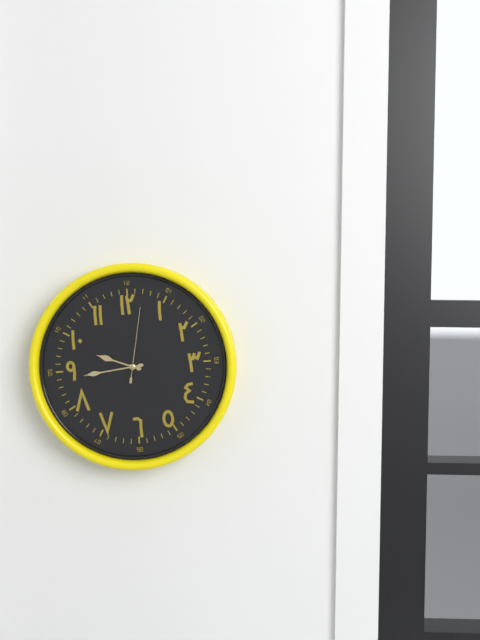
9:44:02
